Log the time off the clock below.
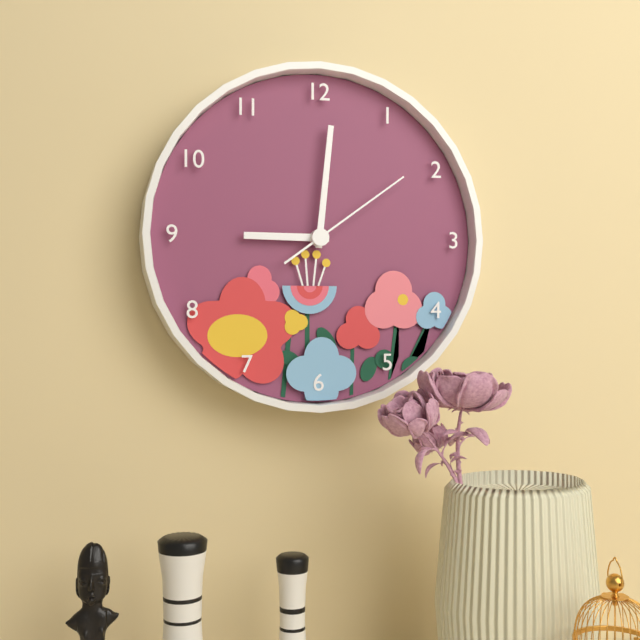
9:01:09
